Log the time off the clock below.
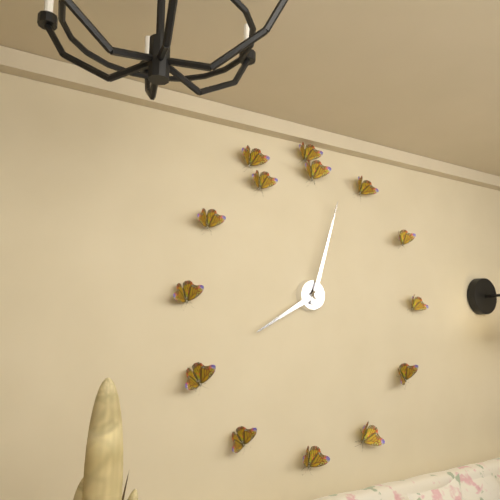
8:03
